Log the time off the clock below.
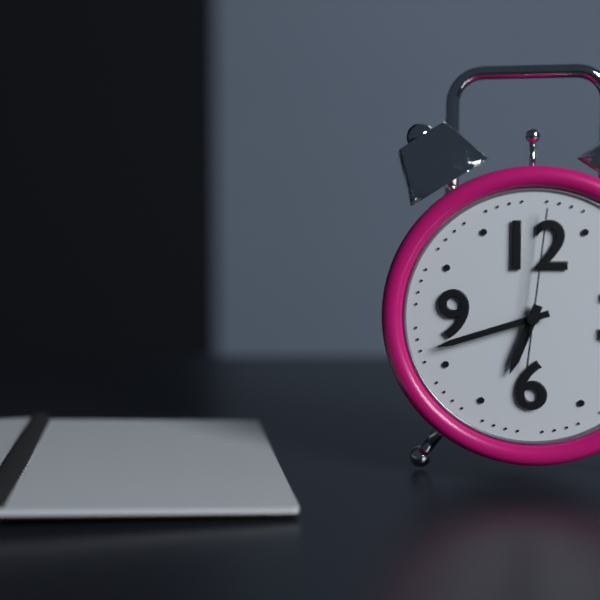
6:42:01
